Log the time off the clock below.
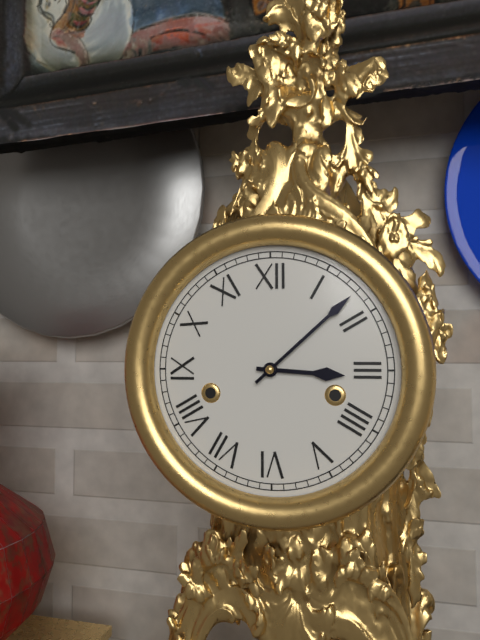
3:08
